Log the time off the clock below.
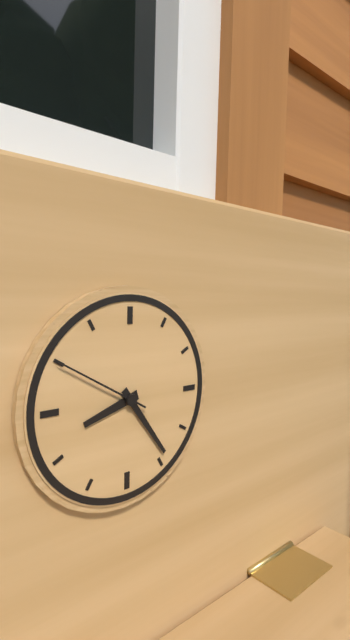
8:24:50
